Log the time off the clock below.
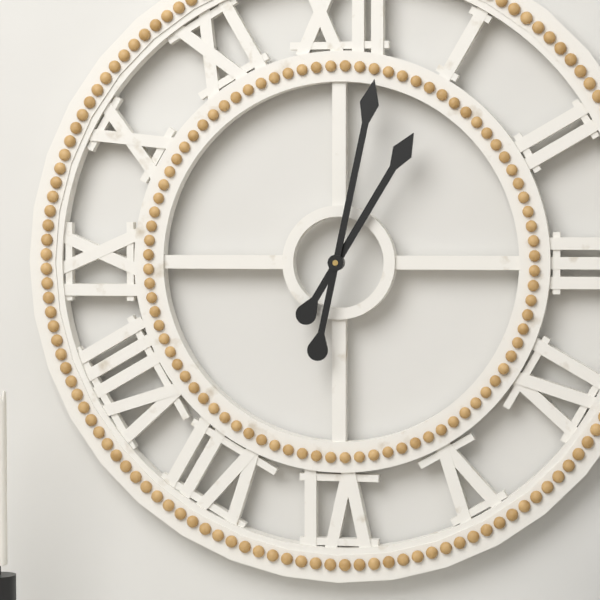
1:02
